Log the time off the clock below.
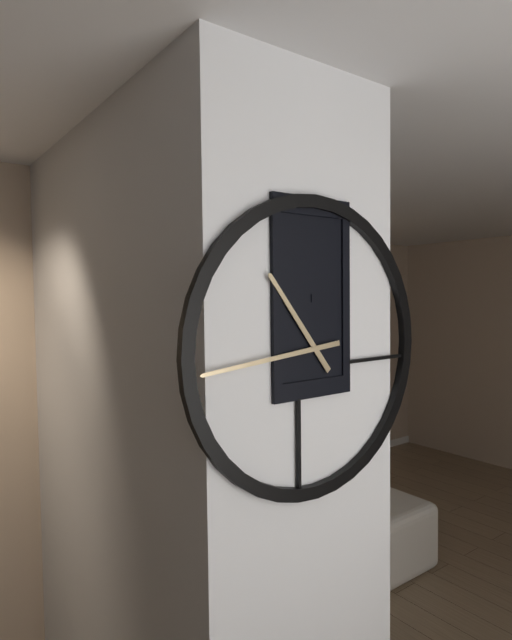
10:44
